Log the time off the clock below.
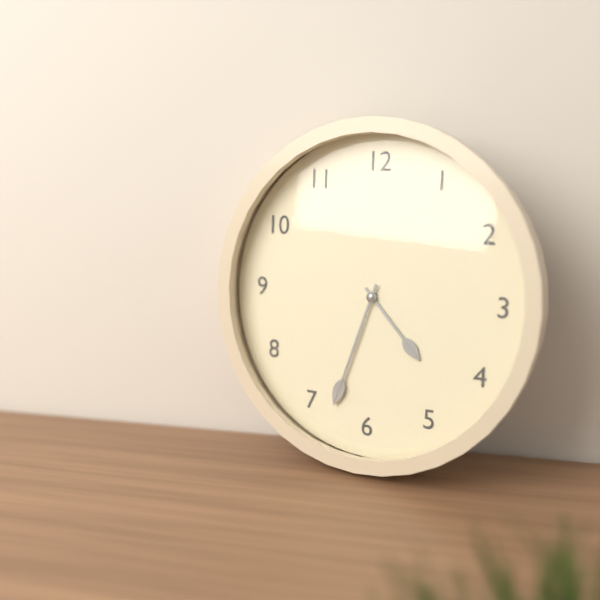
4:33
